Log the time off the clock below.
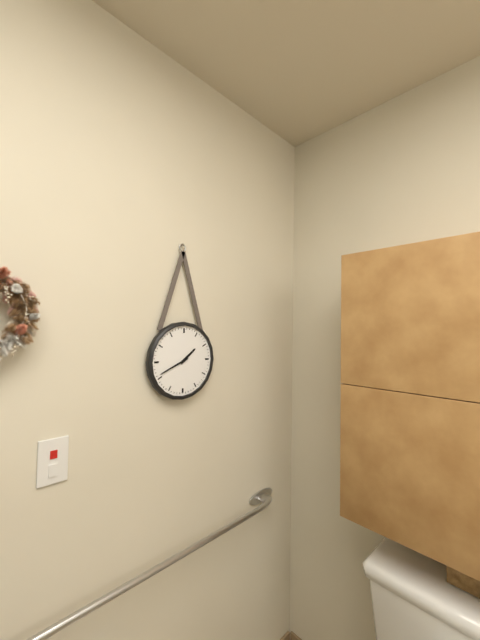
1:41
